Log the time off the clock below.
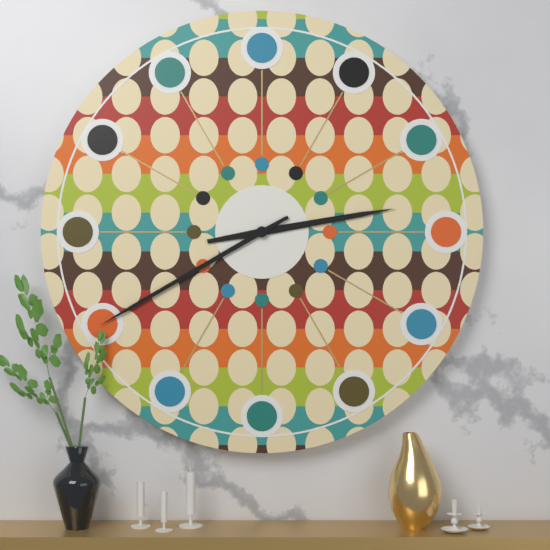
2:40
